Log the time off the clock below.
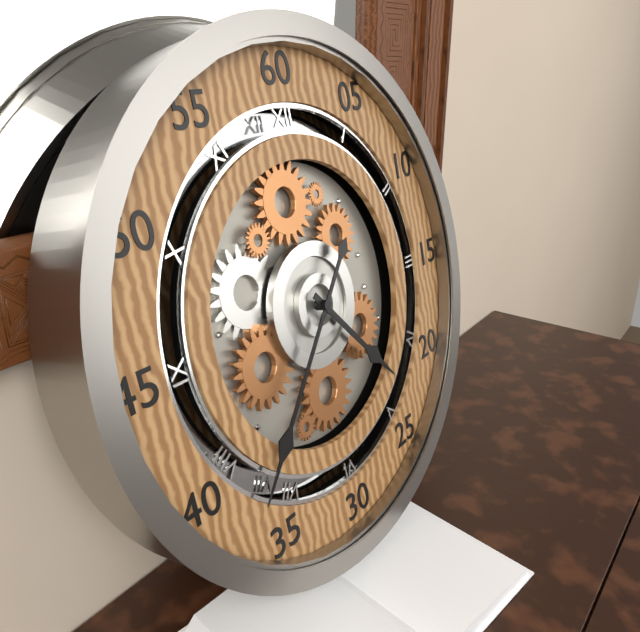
4:37
